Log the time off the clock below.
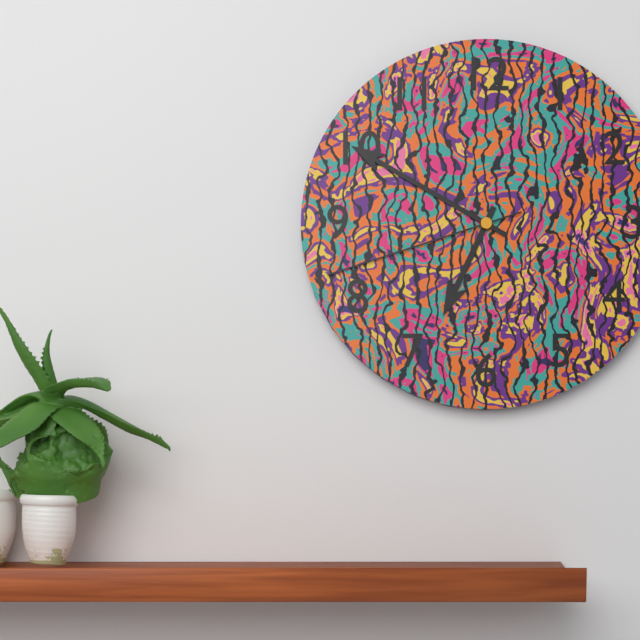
6:50:42
